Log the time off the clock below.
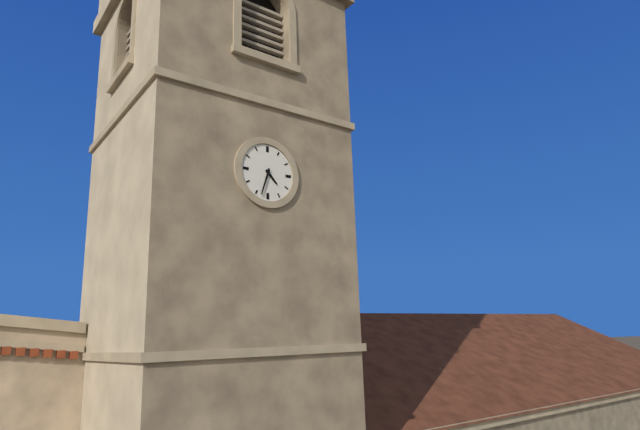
4:33
